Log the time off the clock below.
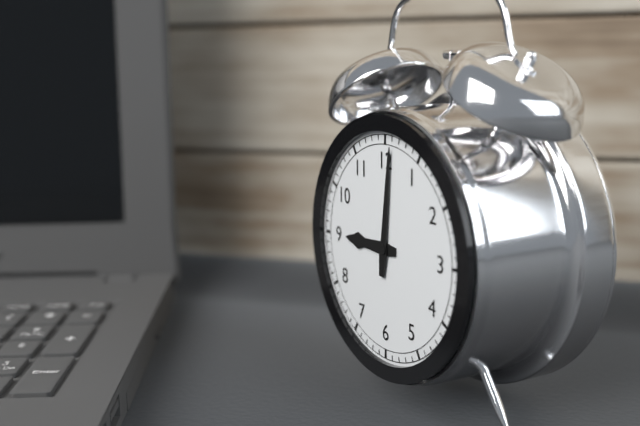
9:01
